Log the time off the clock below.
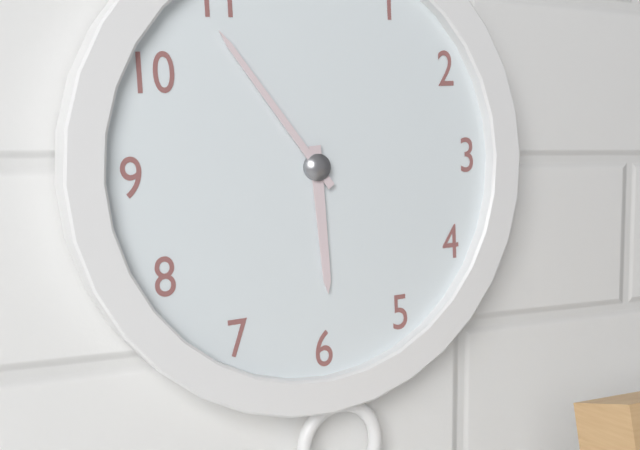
5:54
